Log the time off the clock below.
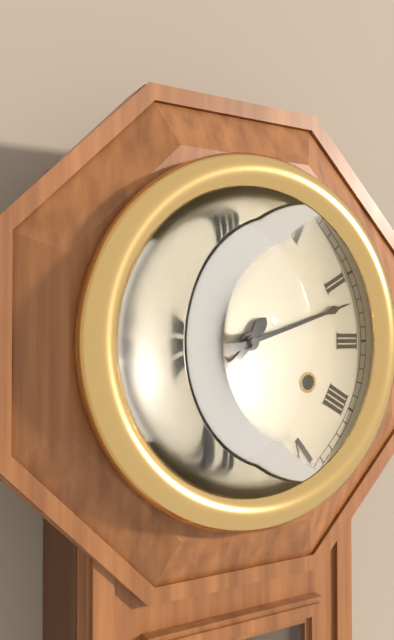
7:12
